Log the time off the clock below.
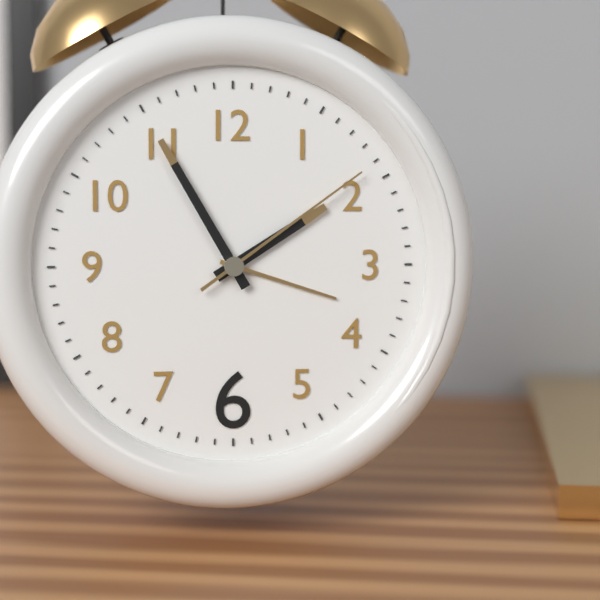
1:55:09
